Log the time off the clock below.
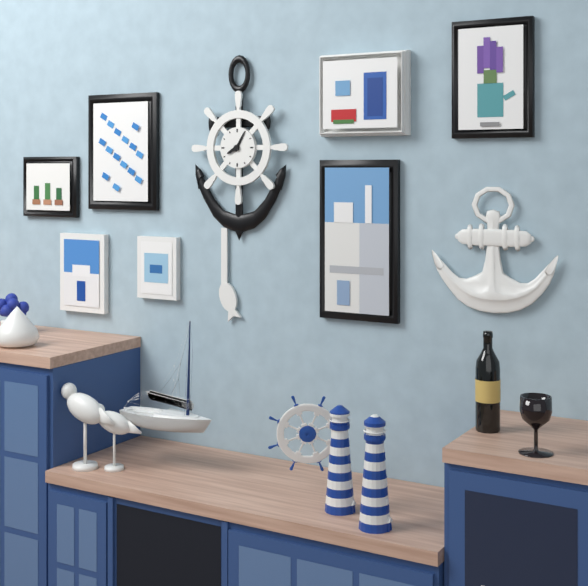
8:05
